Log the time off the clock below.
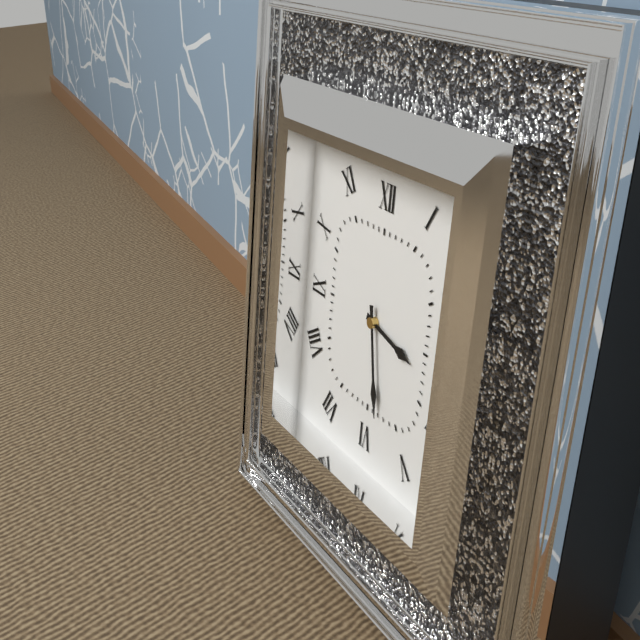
3:28
